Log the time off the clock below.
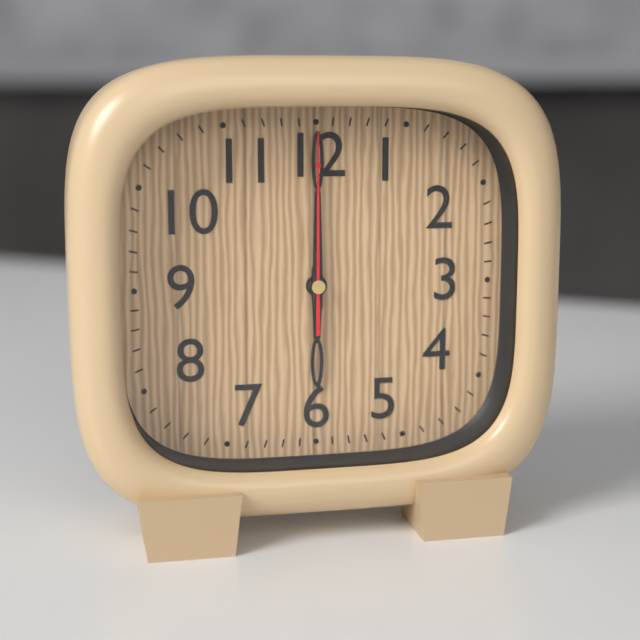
6:00:00
